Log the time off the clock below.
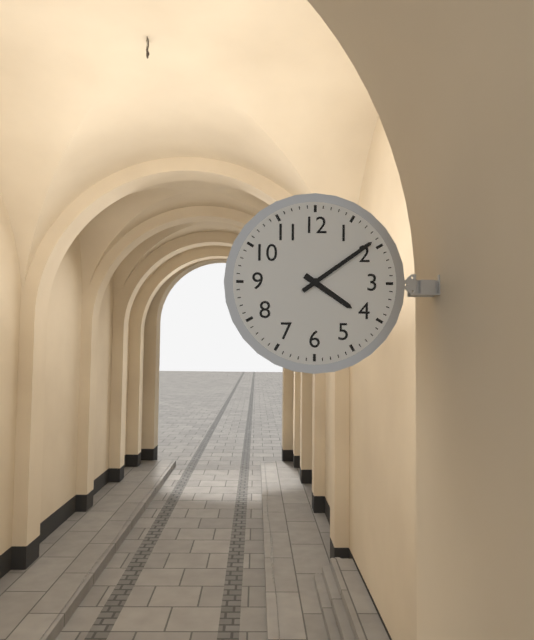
4:09
